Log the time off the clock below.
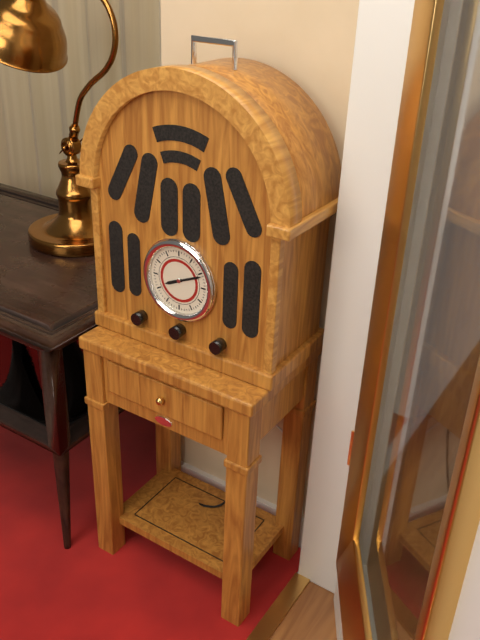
8:11
